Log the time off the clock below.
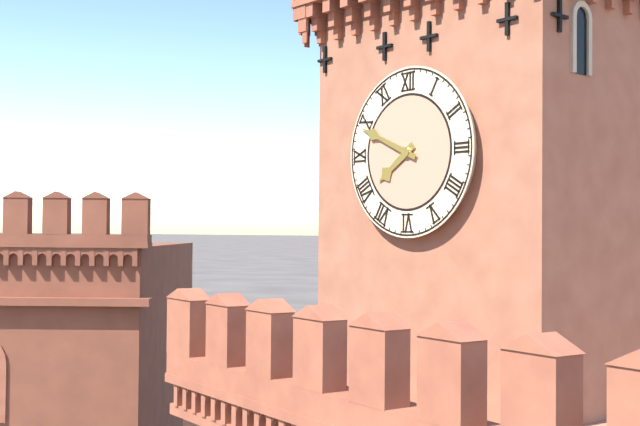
7:49
